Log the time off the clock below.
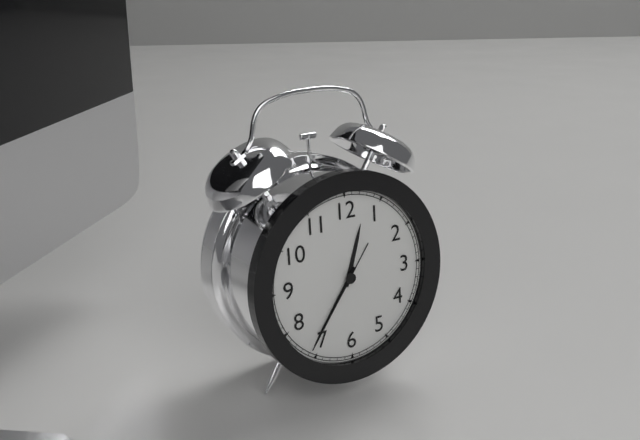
12:36:36
